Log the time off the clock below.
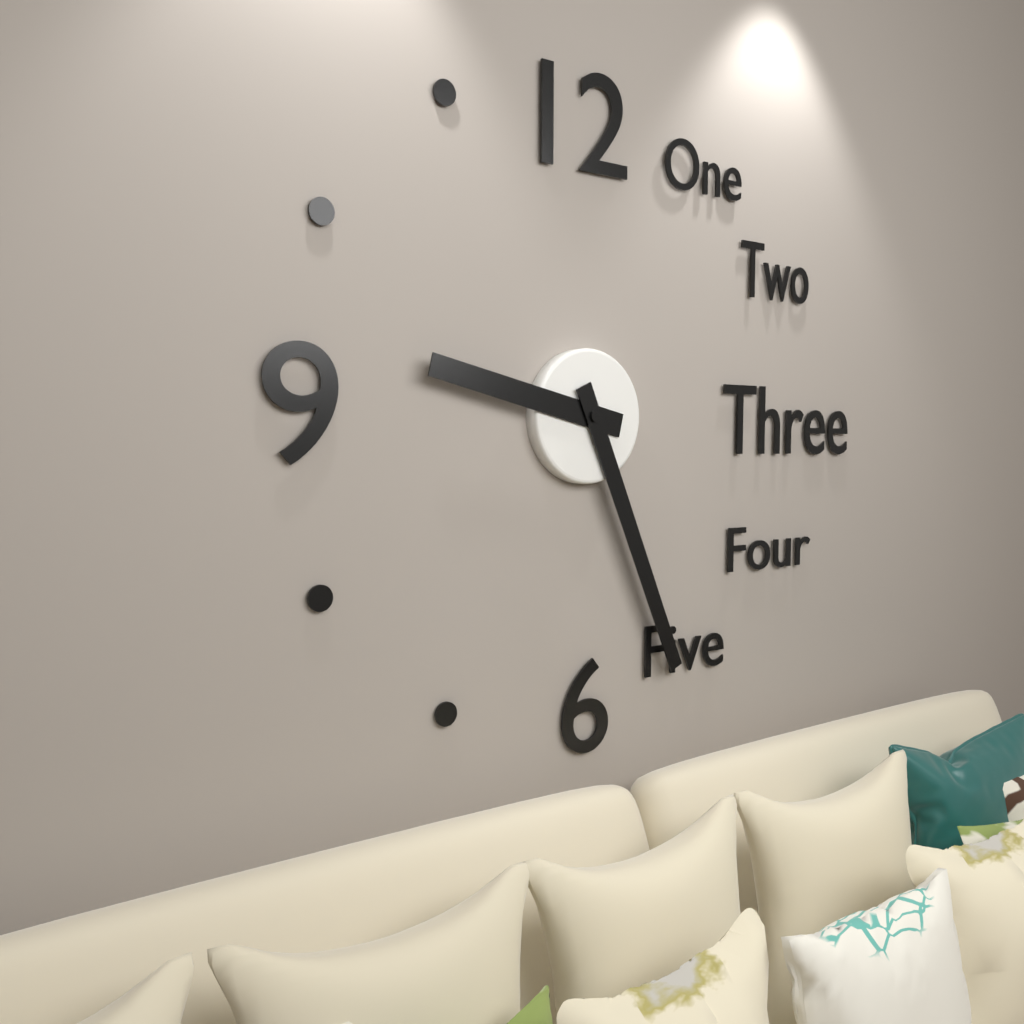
9:26
